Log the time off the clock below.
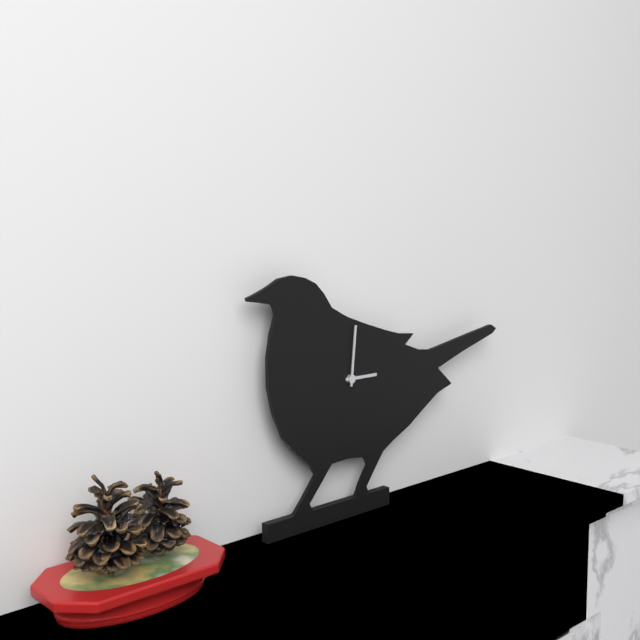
3:01
